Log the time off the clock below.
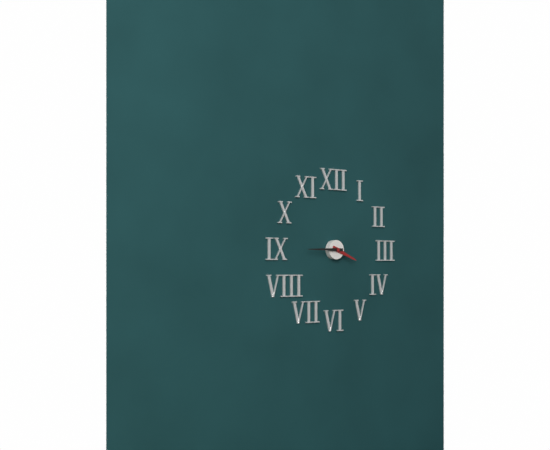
3:45
